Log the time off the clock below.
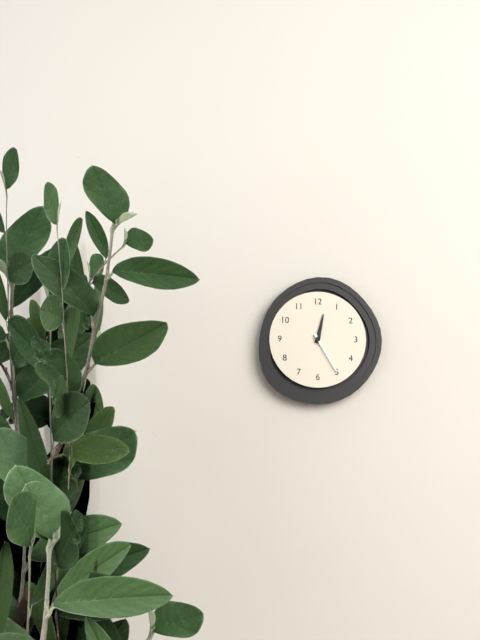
12:25
